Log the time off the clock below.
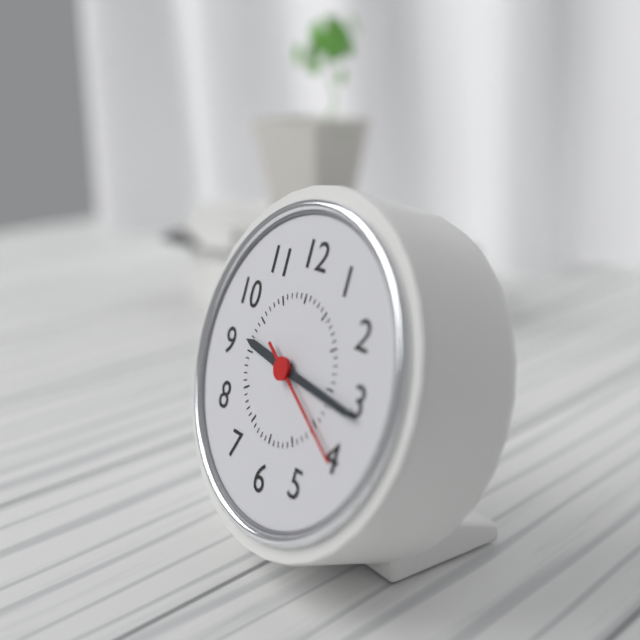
9:16:20
